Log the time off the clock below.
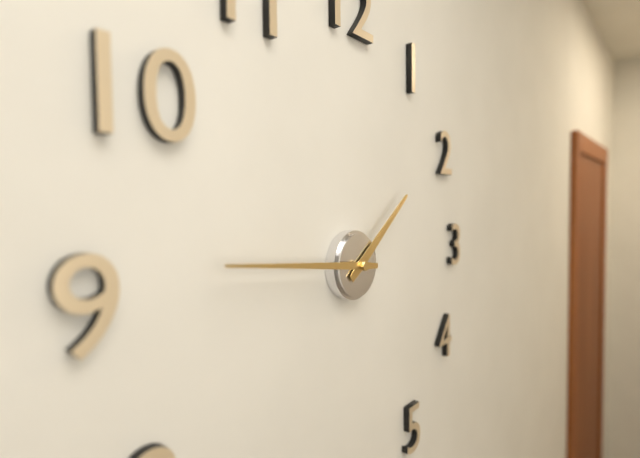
1:46
